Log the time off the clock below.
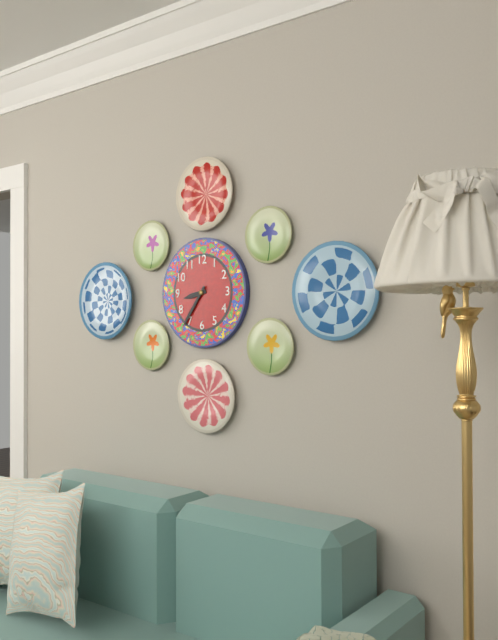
8:36
